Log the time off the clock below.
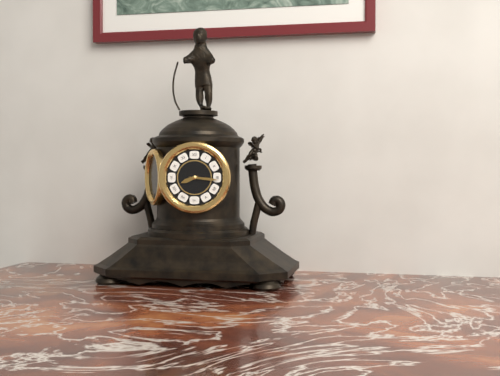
8:16
